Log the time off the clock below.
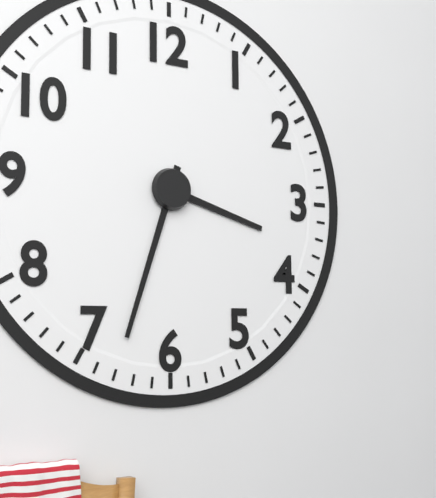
3:33
